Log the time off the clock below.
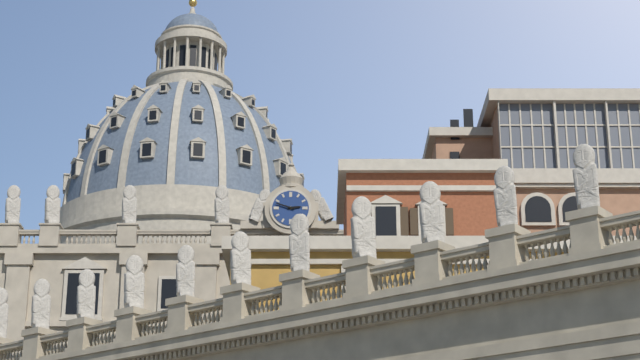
2:48
